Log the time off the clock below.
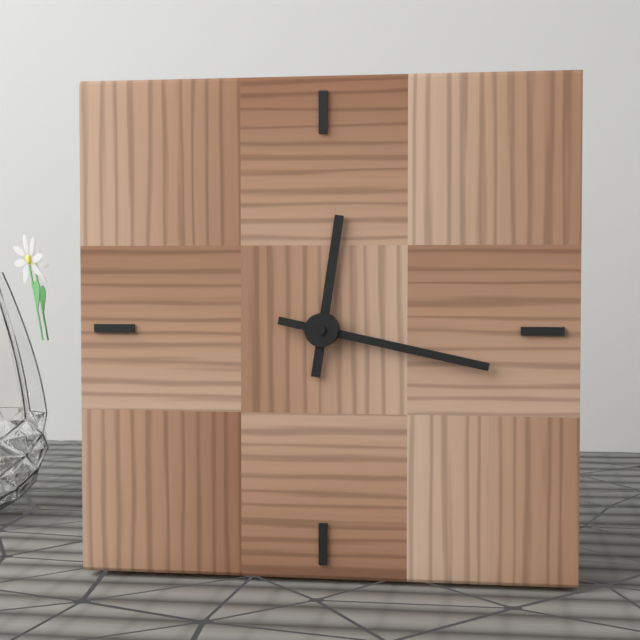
12:17
